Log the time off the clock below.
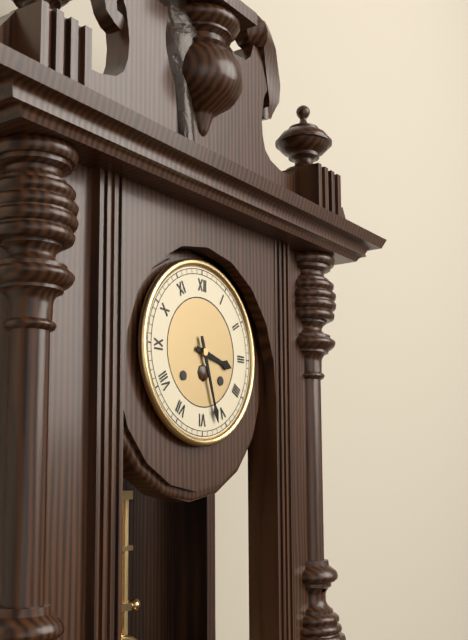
3:27
